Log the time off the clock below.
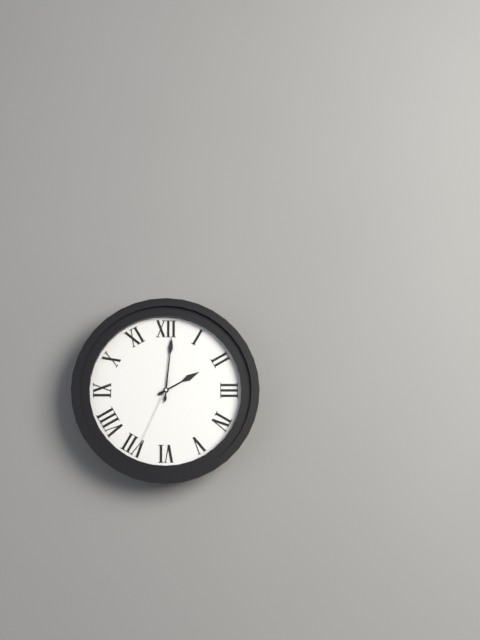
2:01:34
